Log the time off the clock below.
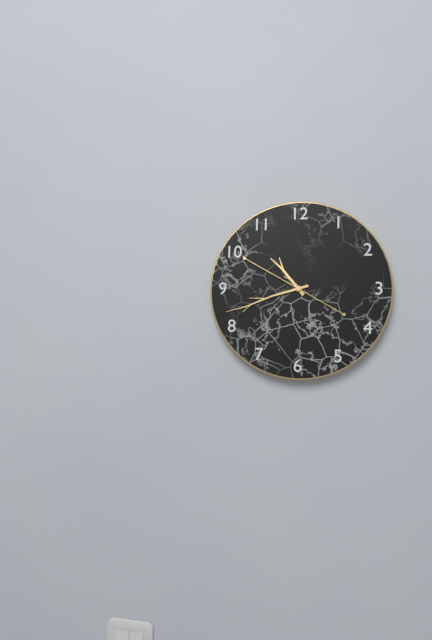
10:42:50
